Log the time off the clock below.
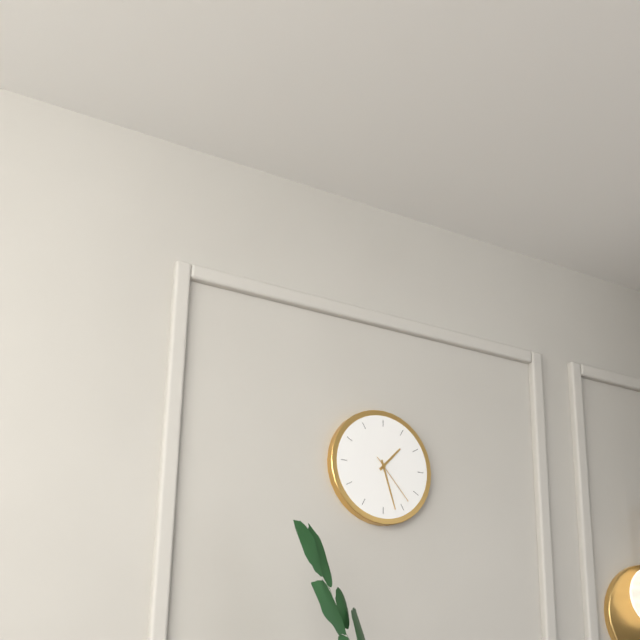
1:27:23
